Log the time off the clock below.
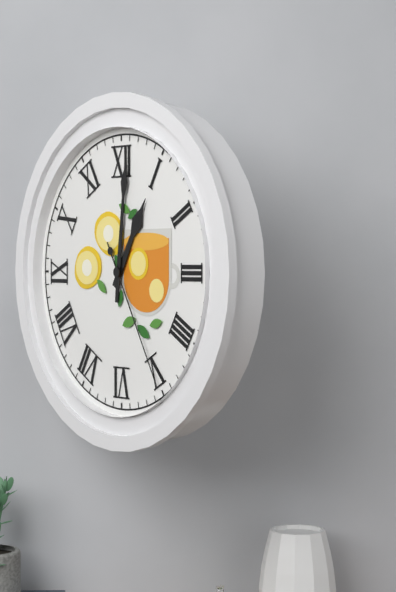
1:01:25
